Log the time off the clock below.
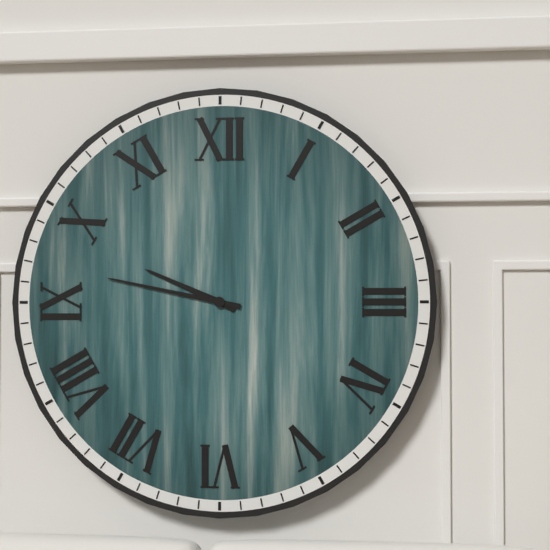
9:47
